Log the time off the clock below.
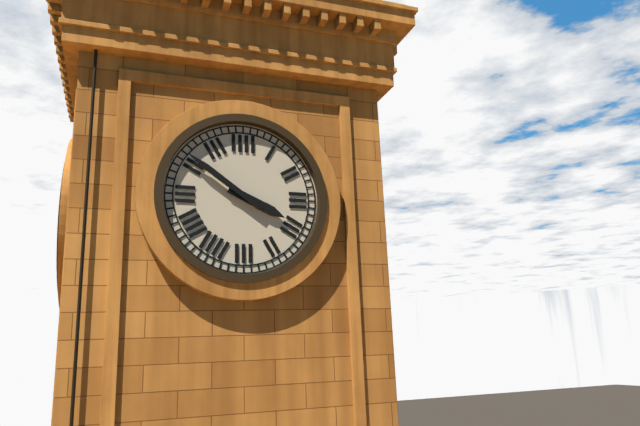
3:51
